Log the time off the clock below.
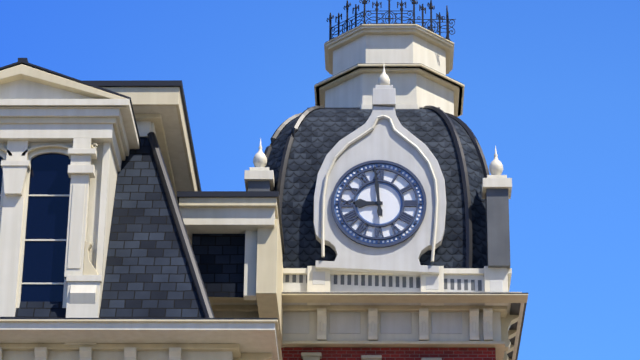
8:59
